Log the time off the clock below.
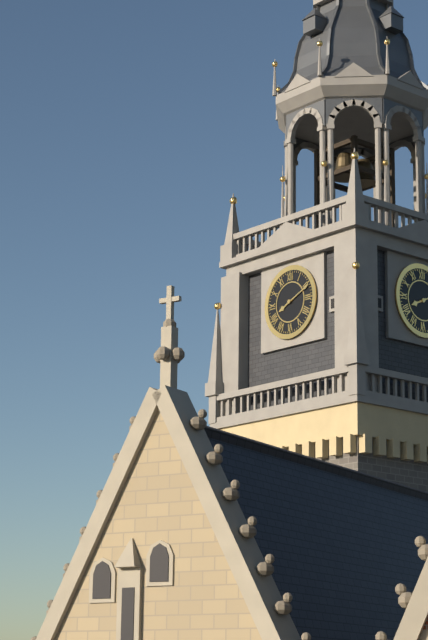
8:11
